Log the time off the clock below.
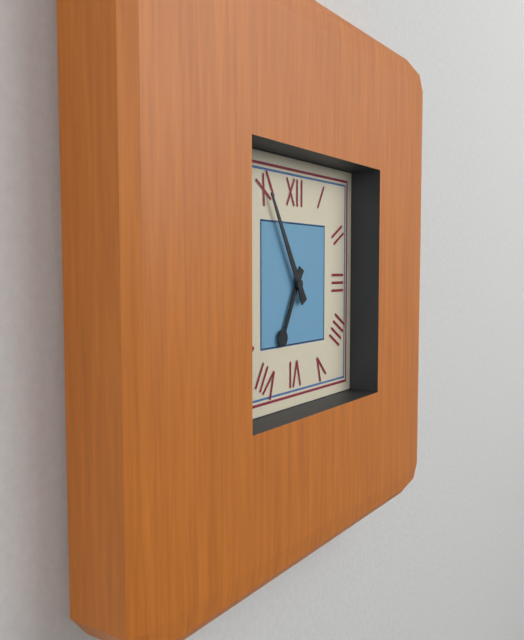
6:55
